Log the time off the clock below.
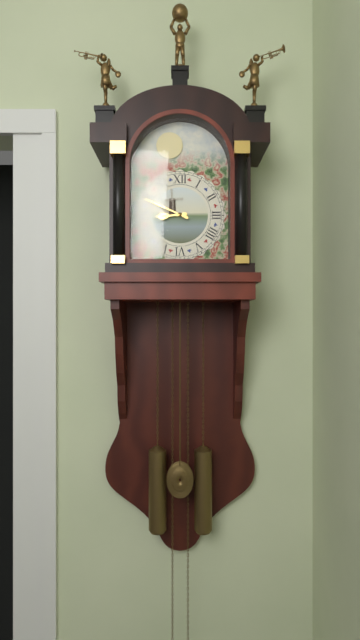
8:49
